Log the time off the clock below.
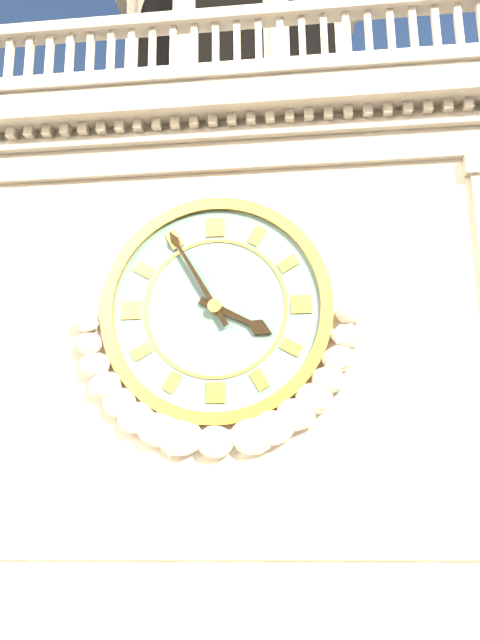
3:55
